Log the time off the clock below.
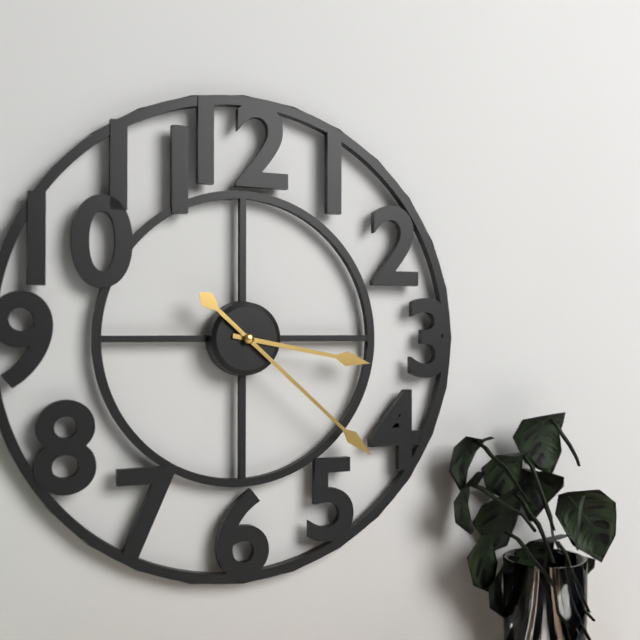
3:22
